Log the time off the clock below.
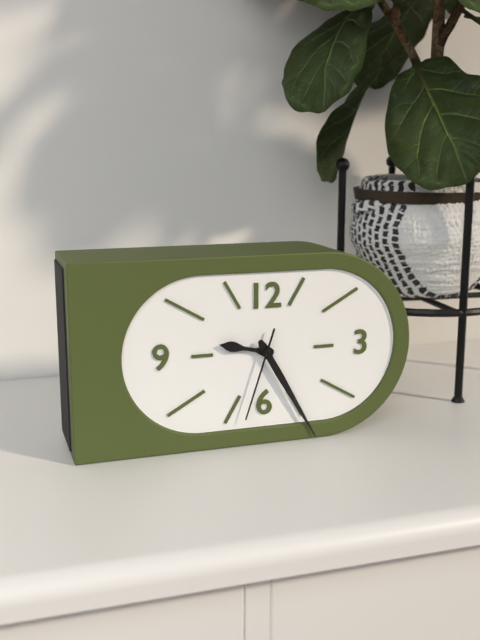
9:25:33
